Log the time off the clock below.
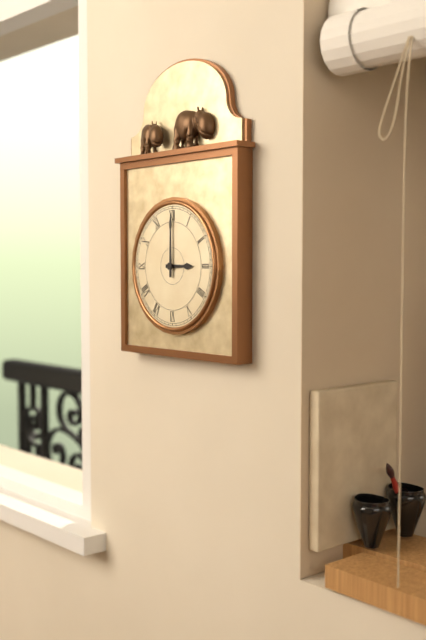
3:00
